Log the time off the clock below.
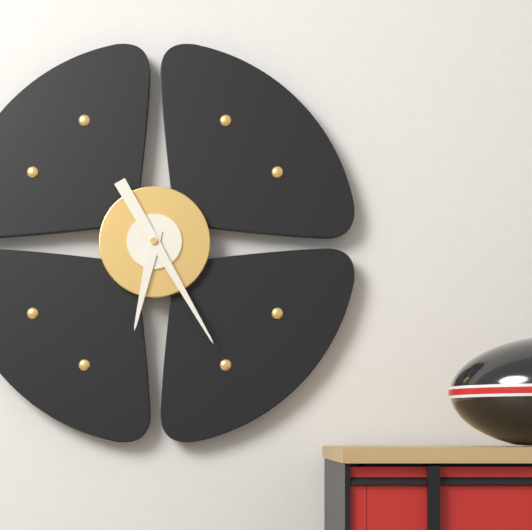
6:25
